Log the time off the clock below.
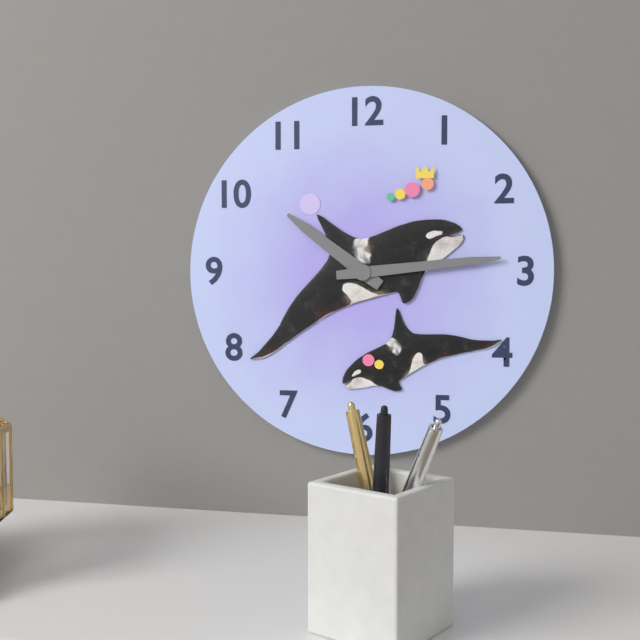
10:14
